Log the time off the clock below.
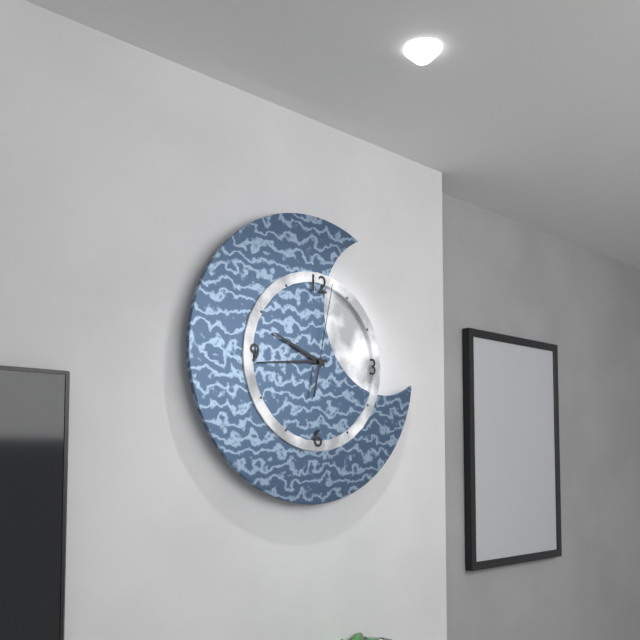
9:44:02
